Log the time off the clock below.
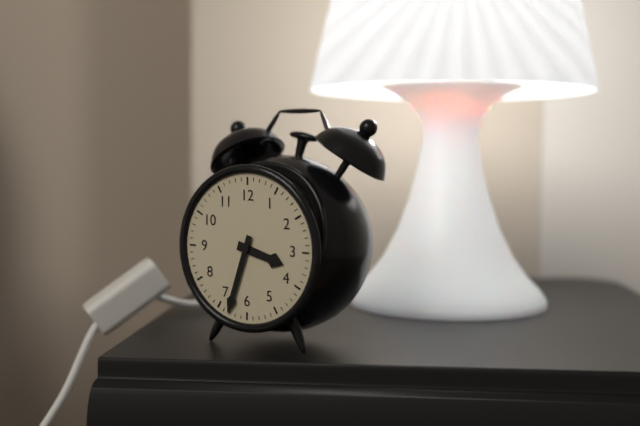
3:33
